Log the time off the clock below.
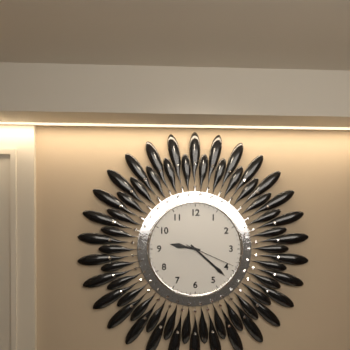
9:22:19
